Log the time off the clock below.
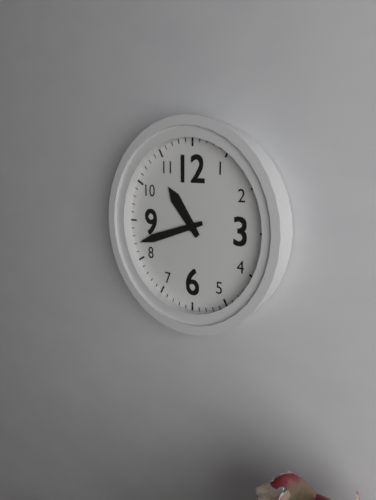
10:42
